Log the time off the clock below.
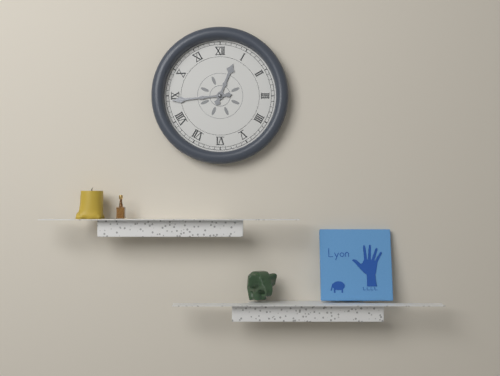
12:44
